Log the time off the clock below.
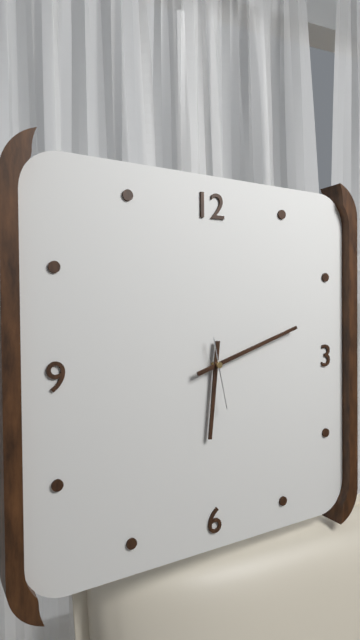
6:12:28
